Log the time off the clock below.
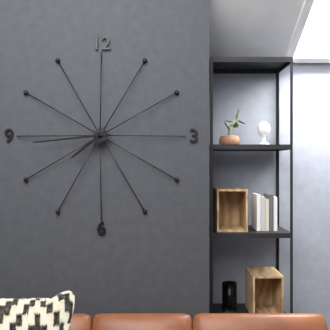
7:44
